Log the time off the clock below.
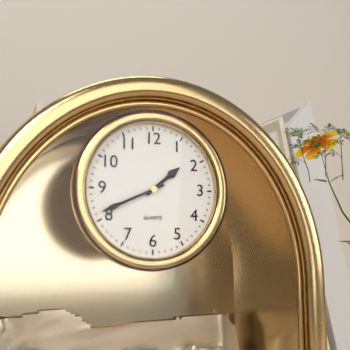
1:41
